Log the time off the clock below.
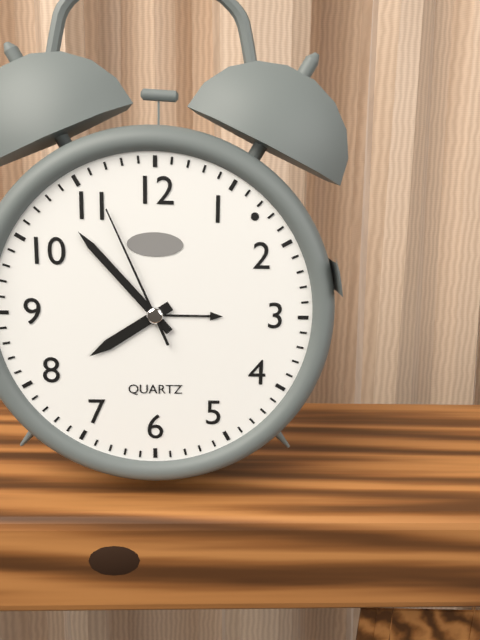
7:53:56
